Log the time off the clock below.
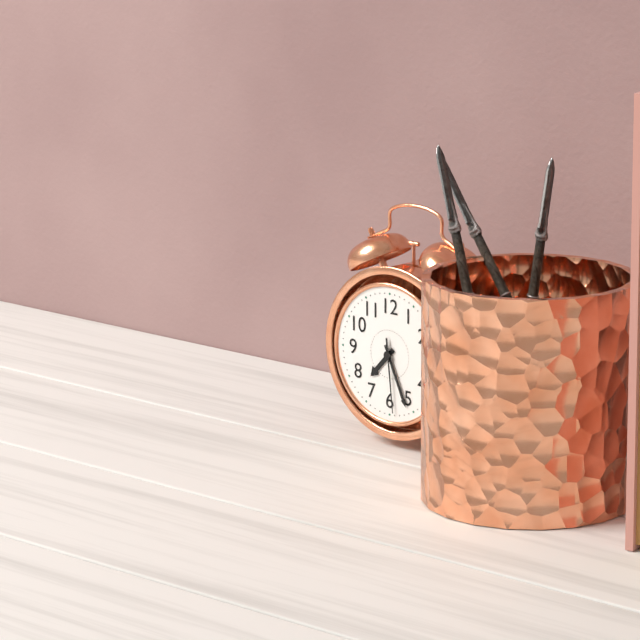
7:26:29
